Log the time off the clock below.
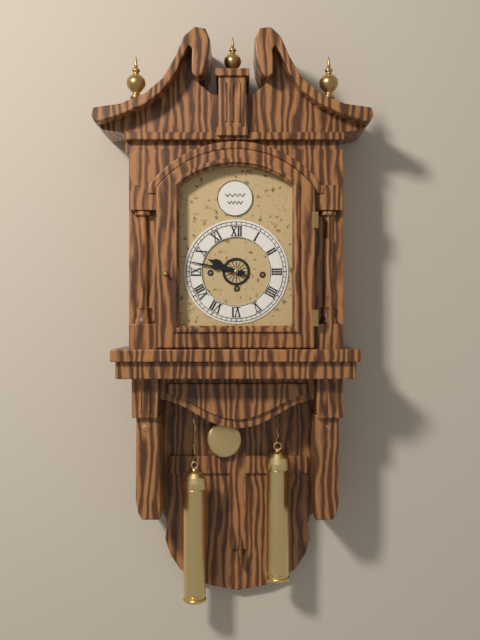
9:47
